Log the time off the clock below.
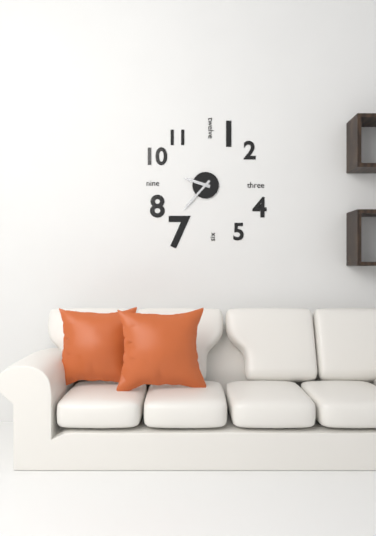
9:37
